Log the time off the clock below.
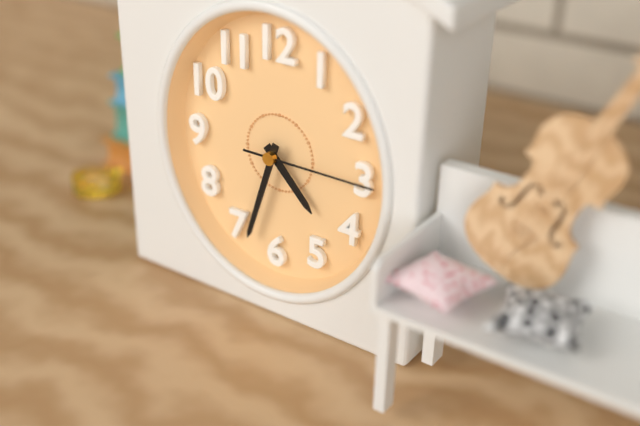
4:33:15
